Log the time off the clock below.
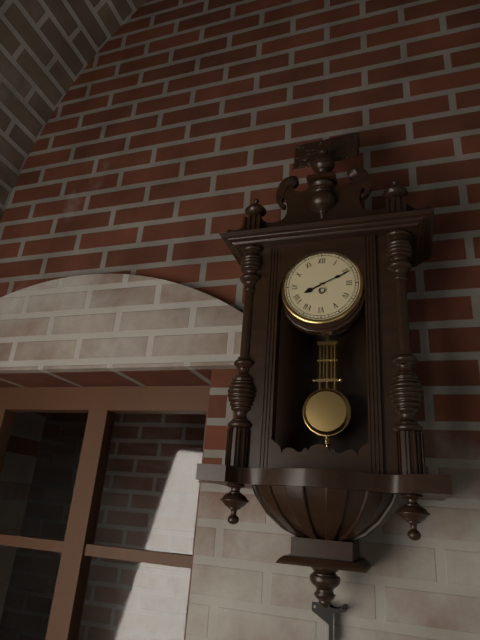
8:11
